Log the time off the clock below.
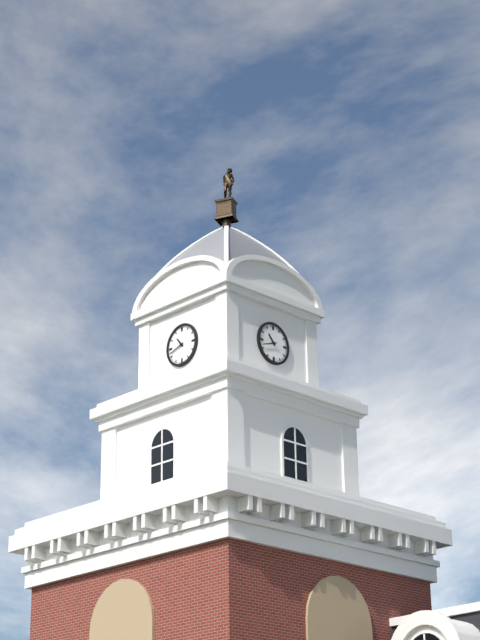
10:42
